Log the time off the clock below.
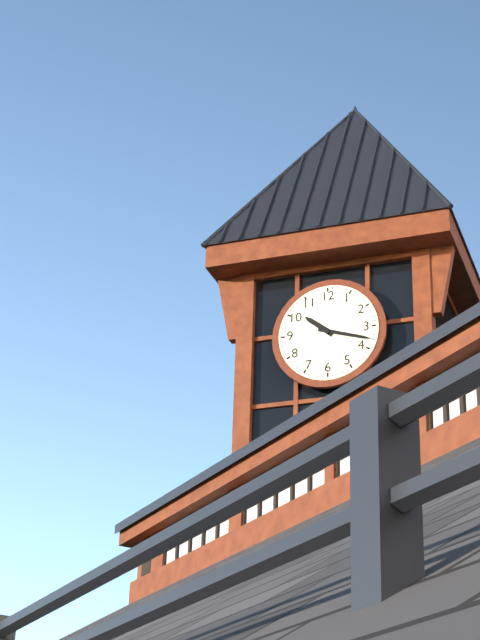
10:18
